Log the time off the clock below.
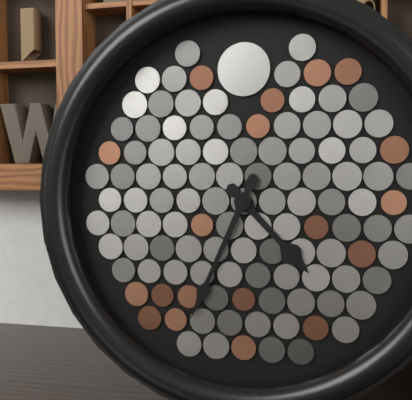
4:34
